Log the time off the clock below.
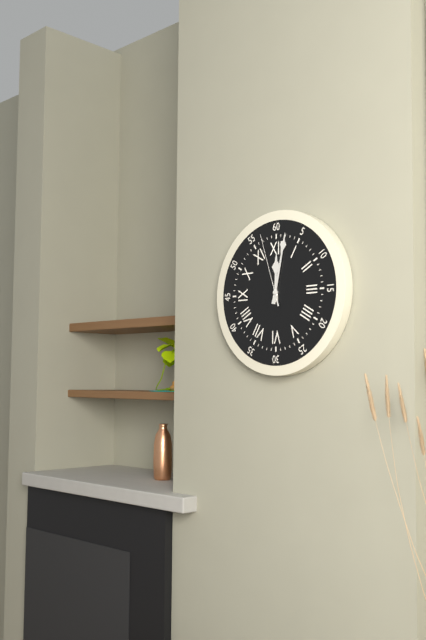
12:02:57
